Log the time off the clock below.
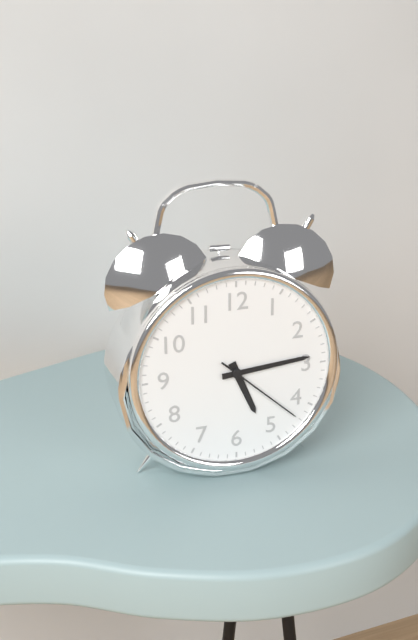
5:14:22
